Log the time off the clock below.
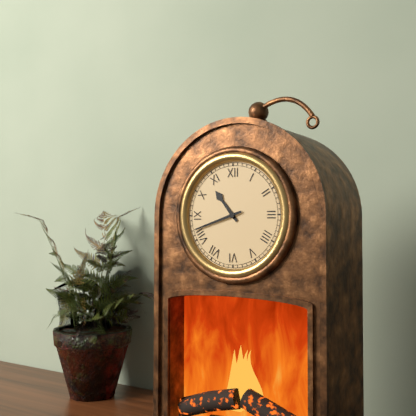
10:42
